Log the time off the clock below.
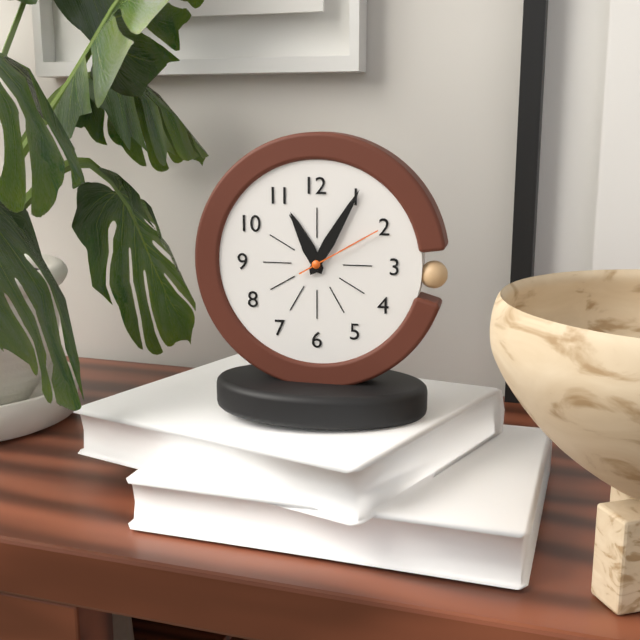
11:05:10
